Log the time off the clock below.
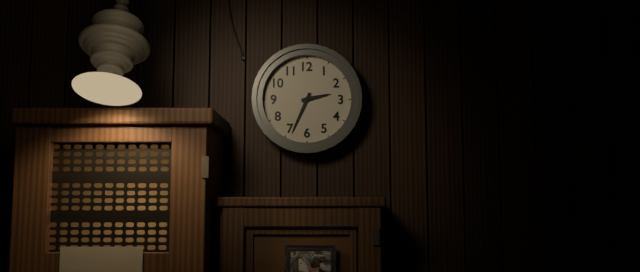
2:34
